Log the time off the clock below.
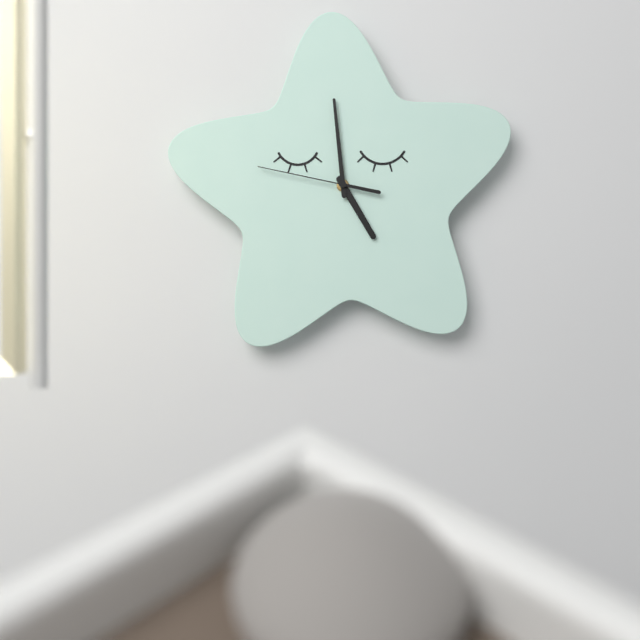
4:59:47
